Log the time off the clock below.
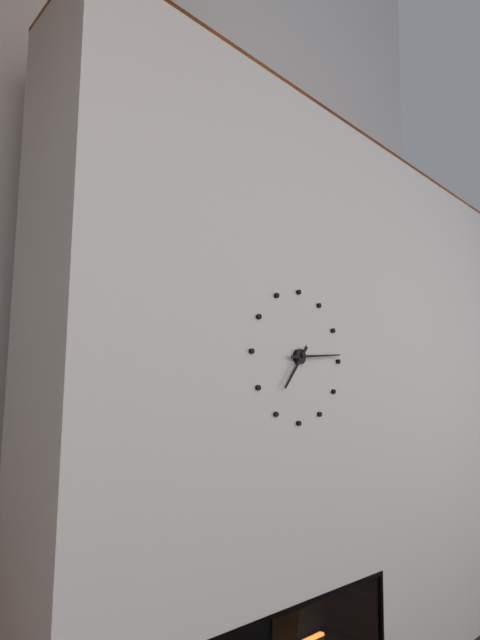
7:14
